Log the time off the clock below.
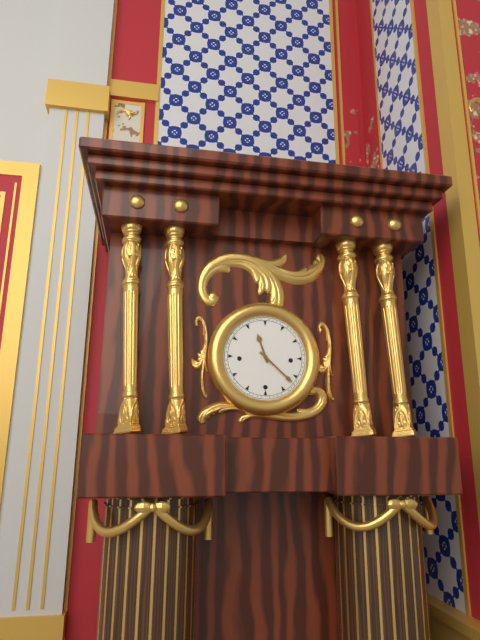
11:22
